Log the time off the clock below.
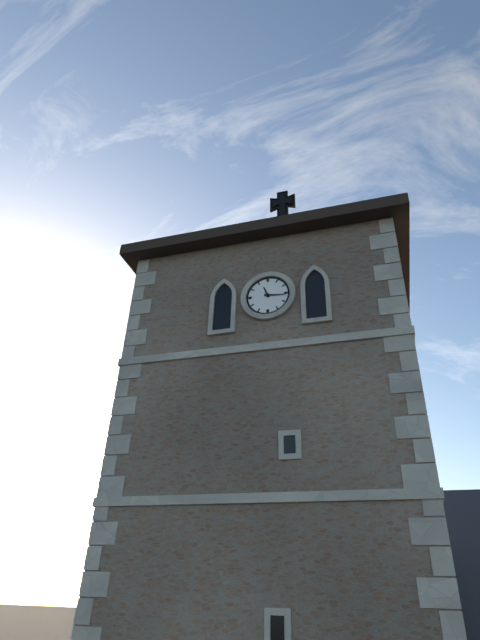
11:16
